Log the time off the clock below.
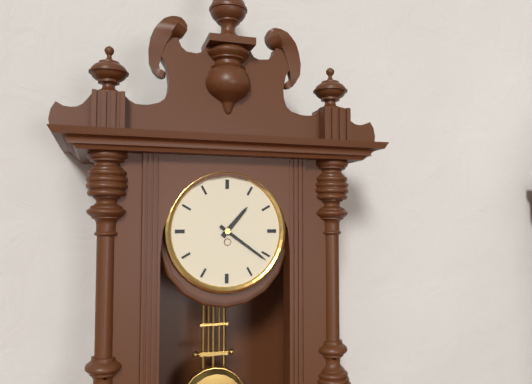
1:21
